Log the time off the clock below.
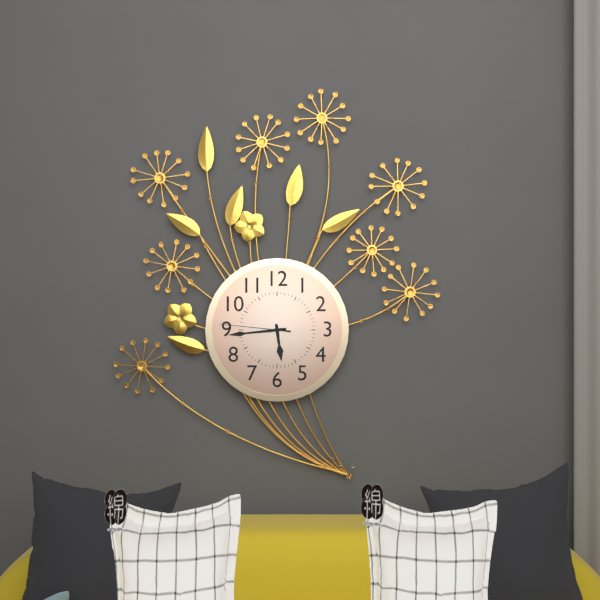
5:44:46
